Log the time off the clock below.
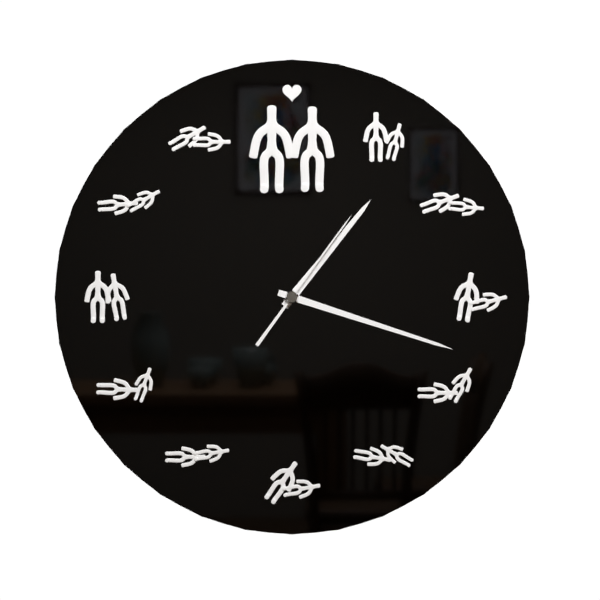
1:18:06
